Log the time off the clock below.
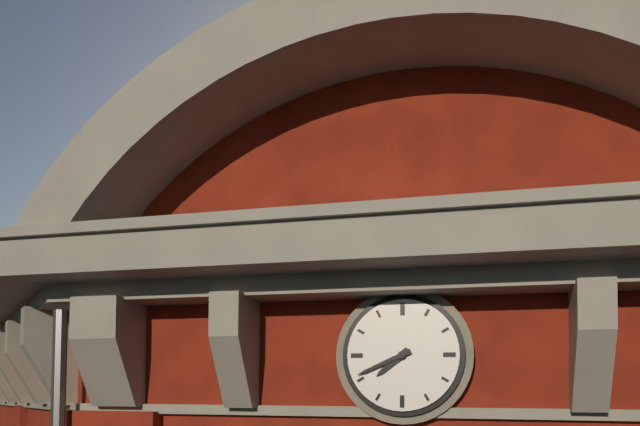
7:41
